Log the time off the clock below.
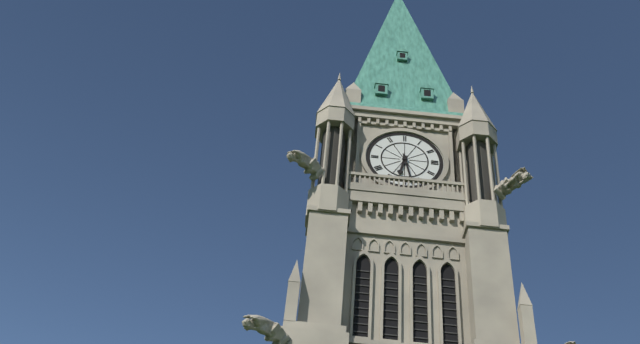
6:28
